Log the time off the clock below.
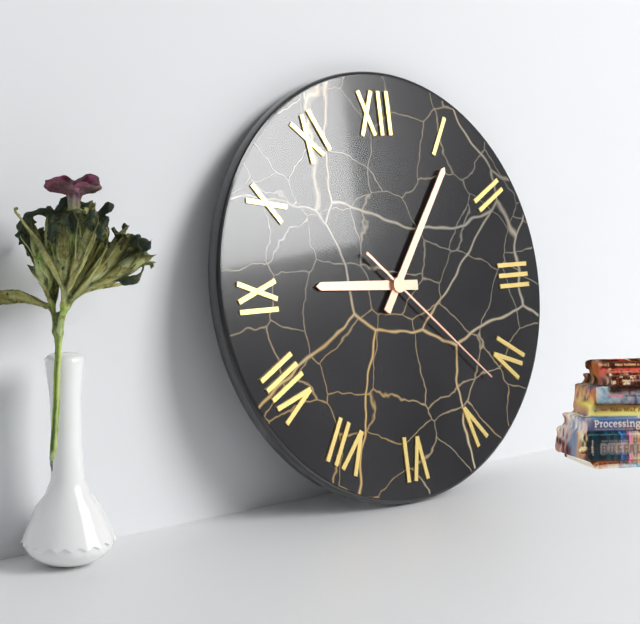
9:06:22
